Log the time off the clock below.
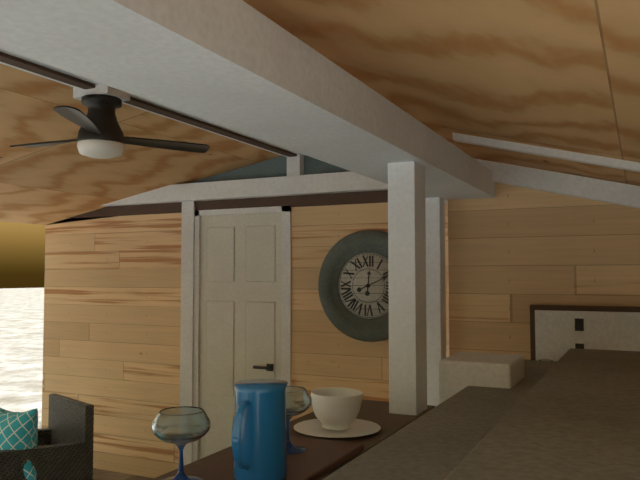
12:11
